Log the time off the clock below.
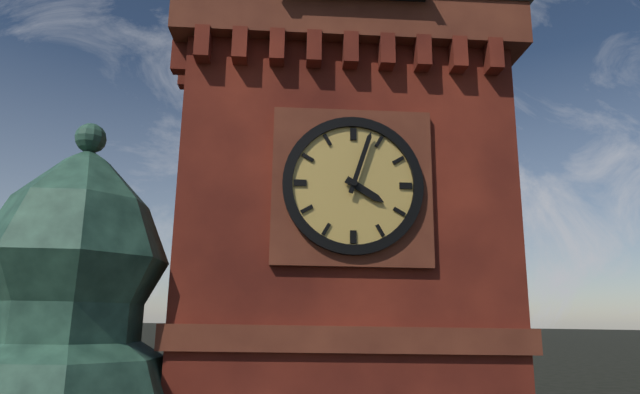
4:03
